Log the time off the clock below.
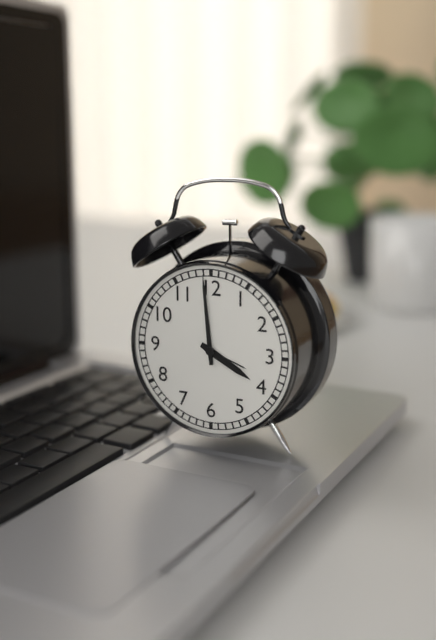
3:59
